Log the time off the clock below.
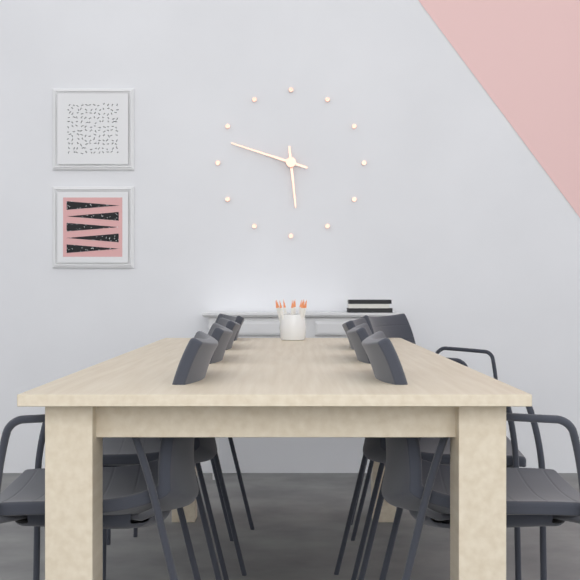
5:48
